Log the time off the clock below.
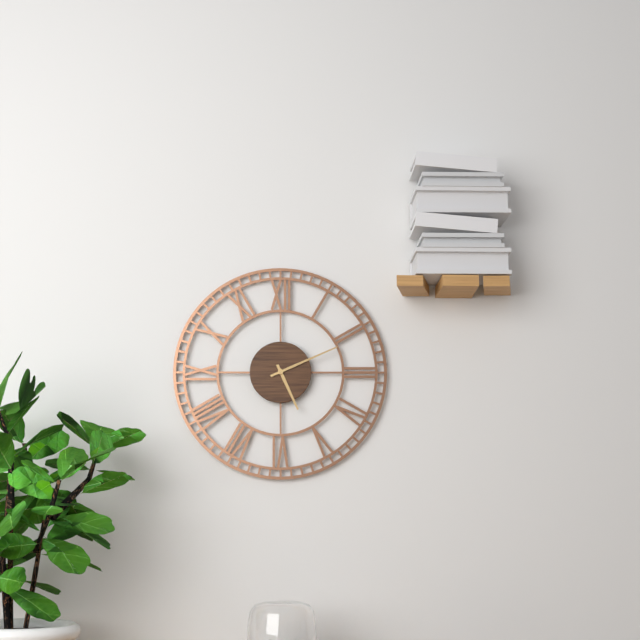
5:11
